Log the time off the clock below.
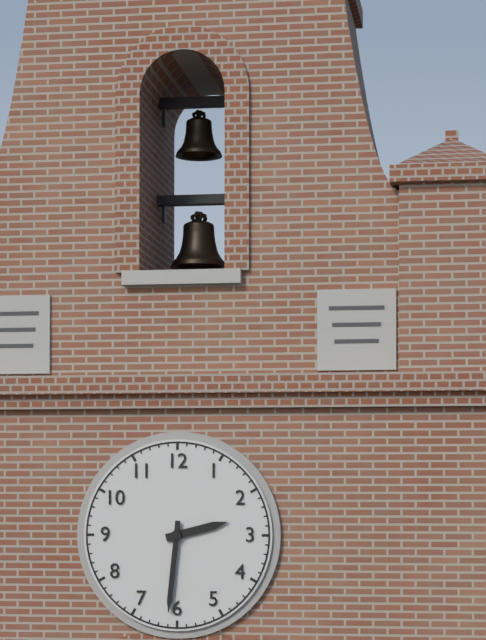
2:31
